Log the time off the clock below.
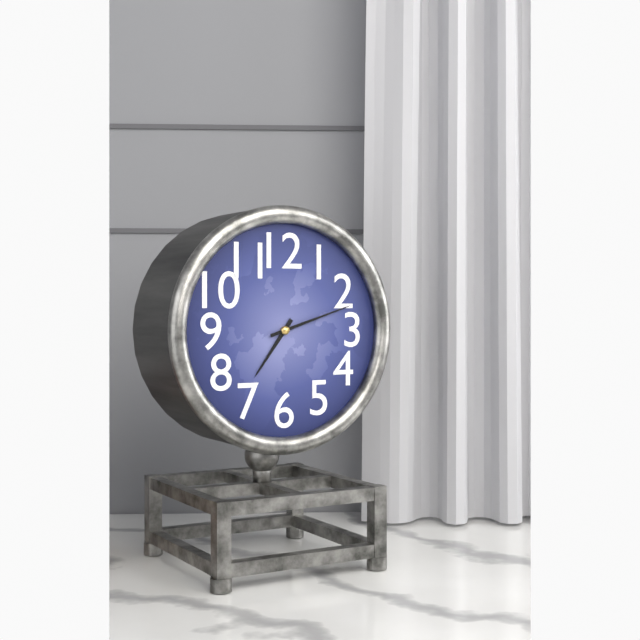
7:12
